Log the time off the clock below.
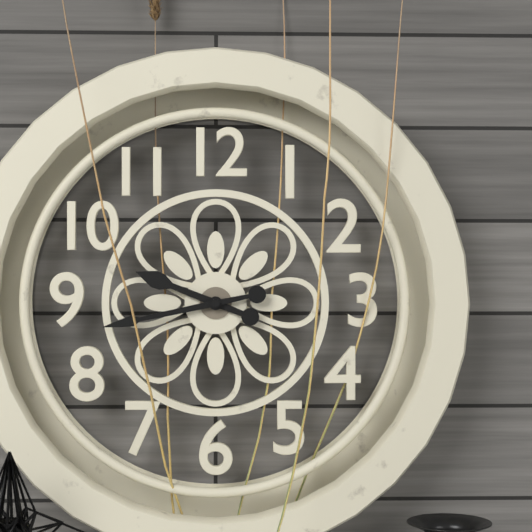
9:43
